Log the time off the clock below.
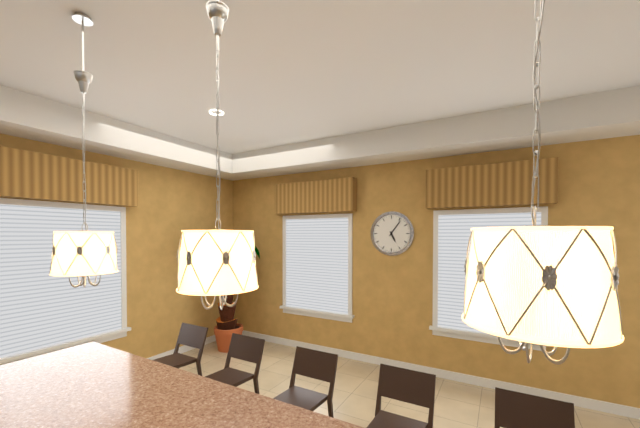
5:06
